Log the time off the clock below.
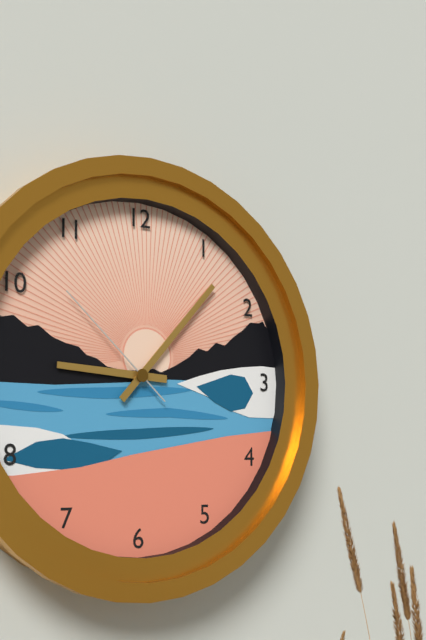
9:07:52
